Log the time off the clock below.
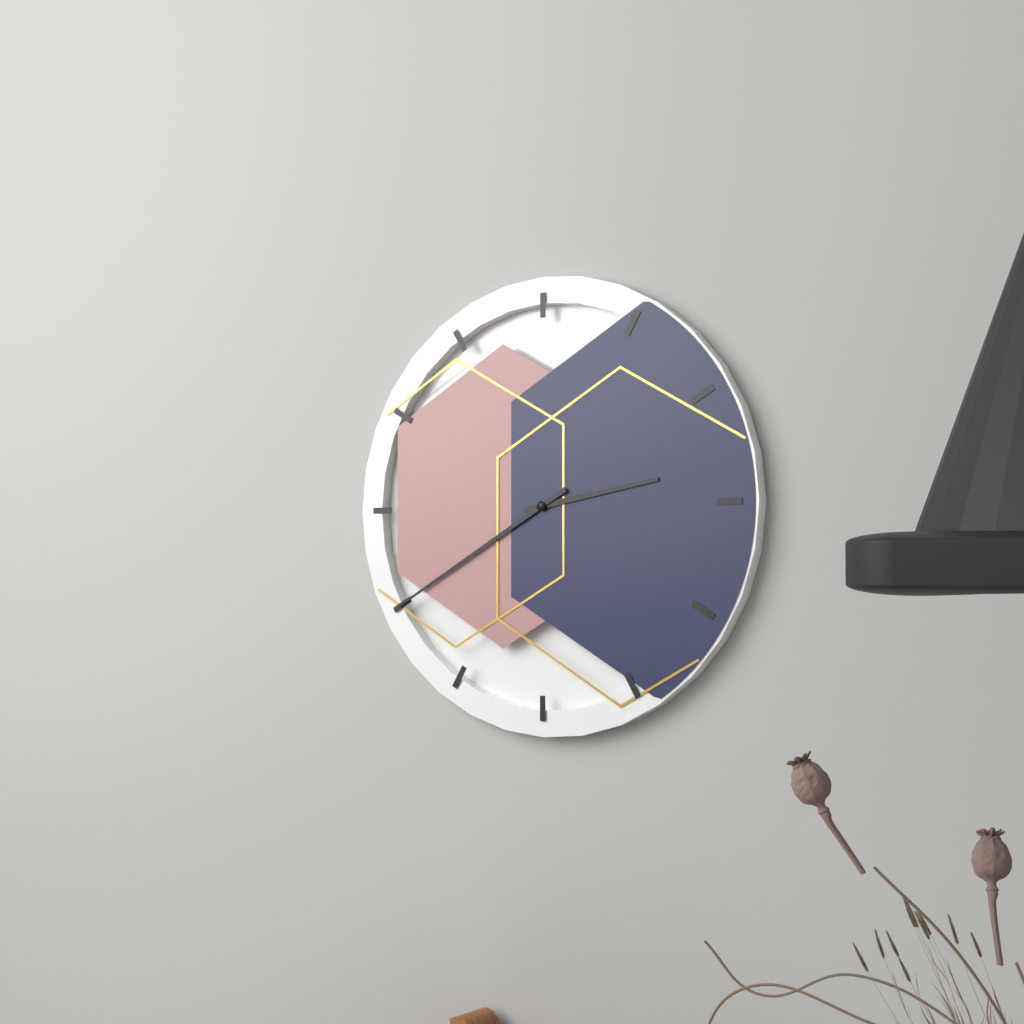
2:40
